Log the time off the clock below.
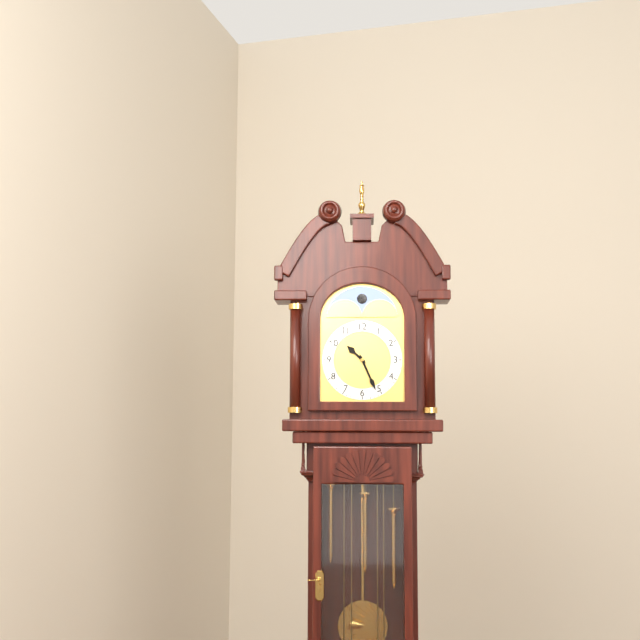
10:26
